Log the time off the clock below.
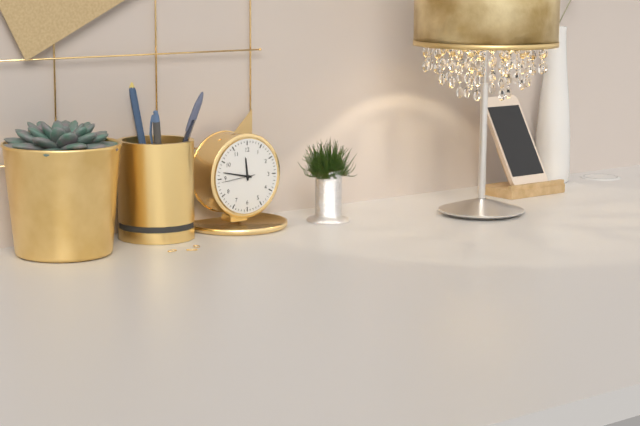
11:47
